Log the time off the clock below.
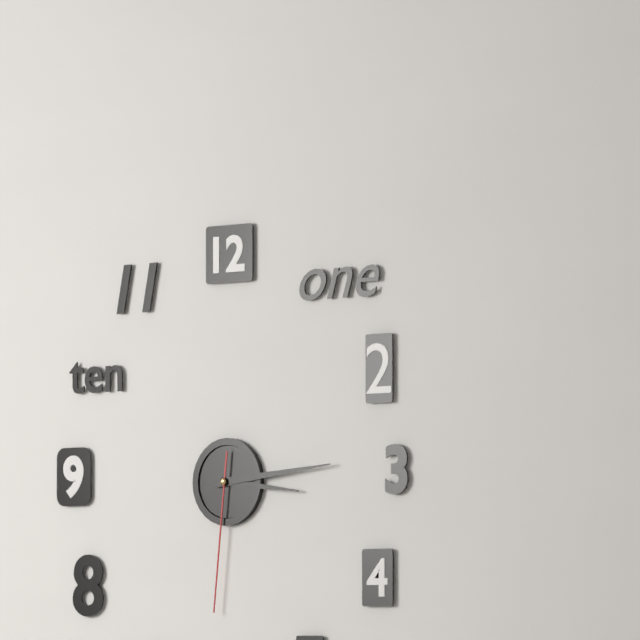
3:14:31
